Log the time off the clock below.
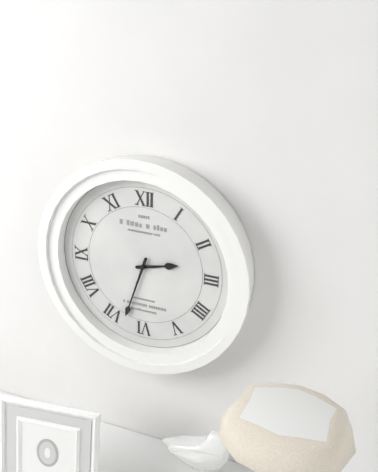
2:33
